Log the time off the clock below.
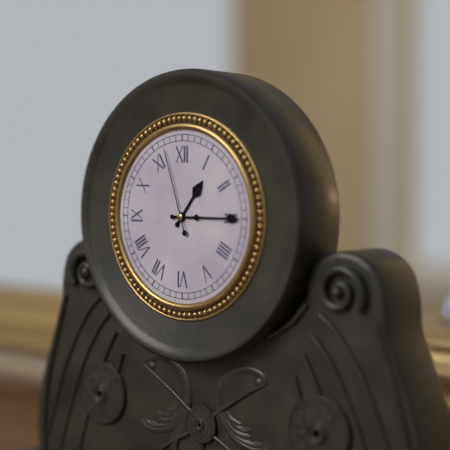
1:15:57
